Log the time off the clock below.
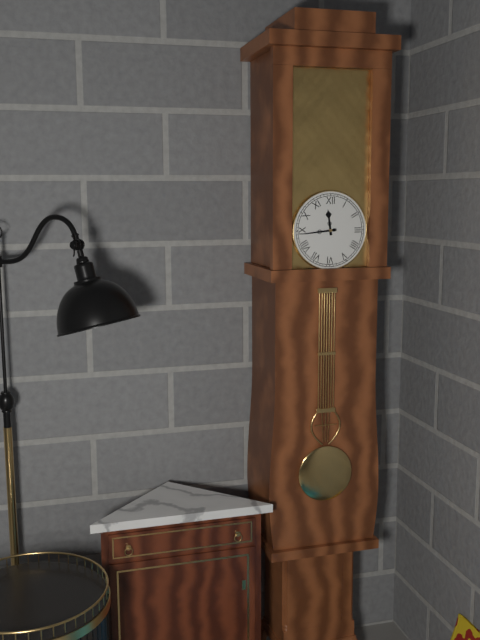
11:44
